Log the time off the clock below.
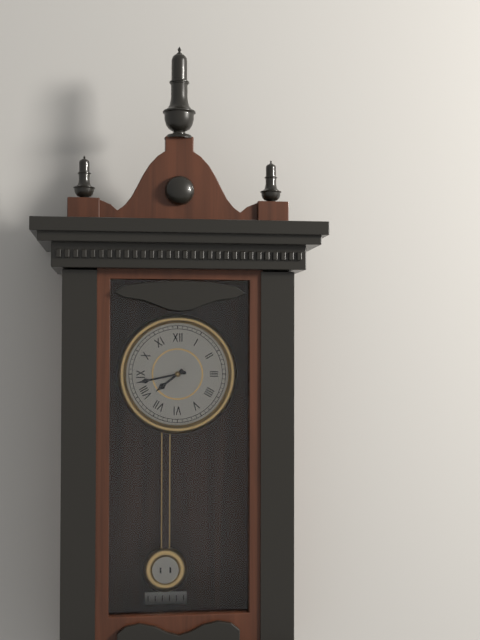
7:43
